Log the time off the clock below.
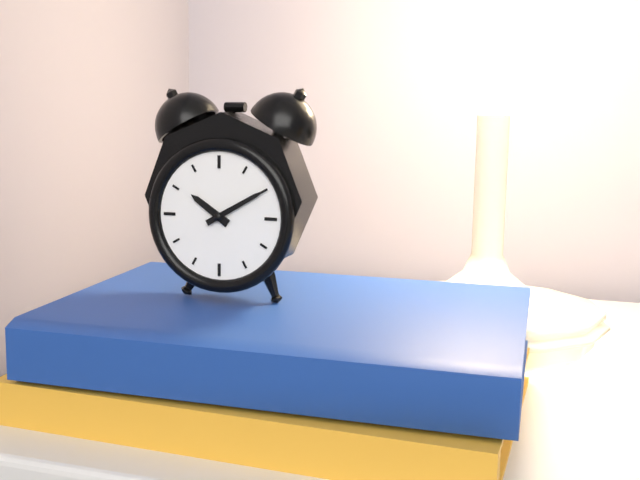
10:10
